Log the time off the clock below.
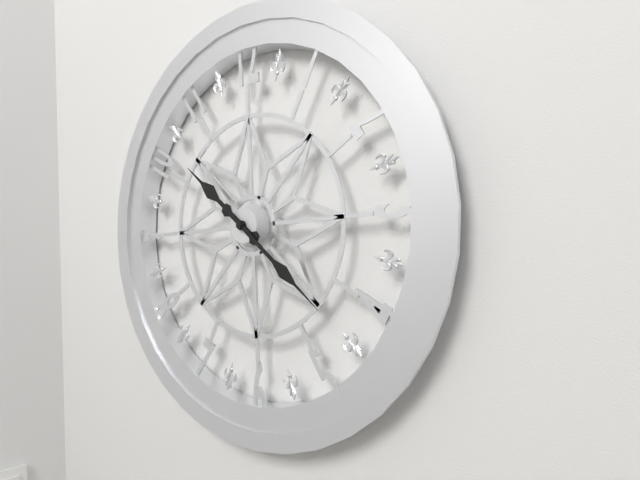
10:22
